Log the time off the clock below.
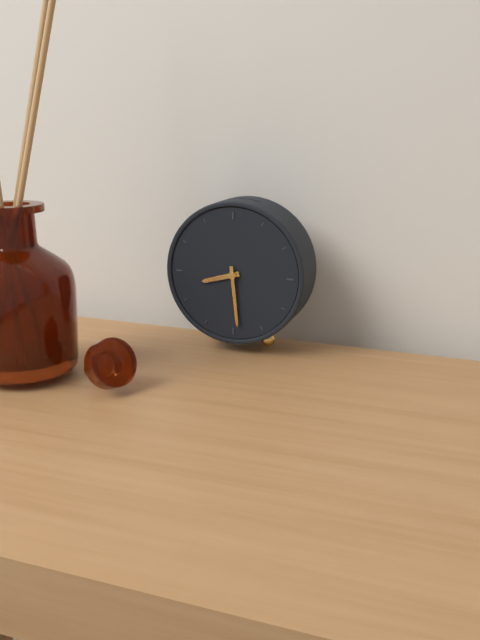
8:29
